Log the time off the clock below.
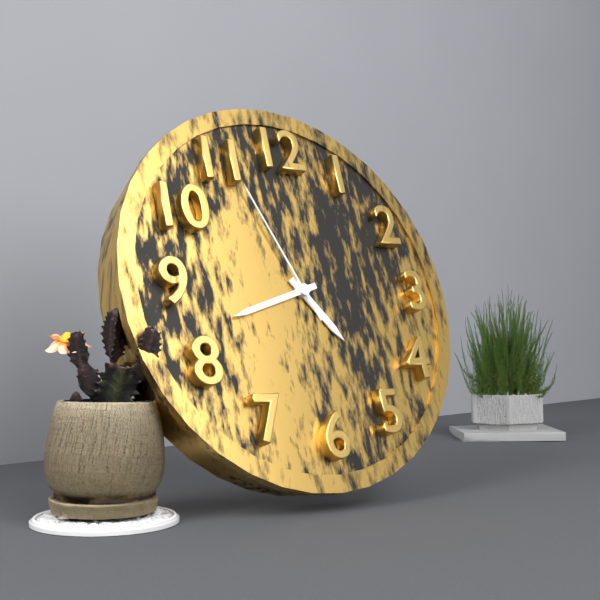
4:42:56
